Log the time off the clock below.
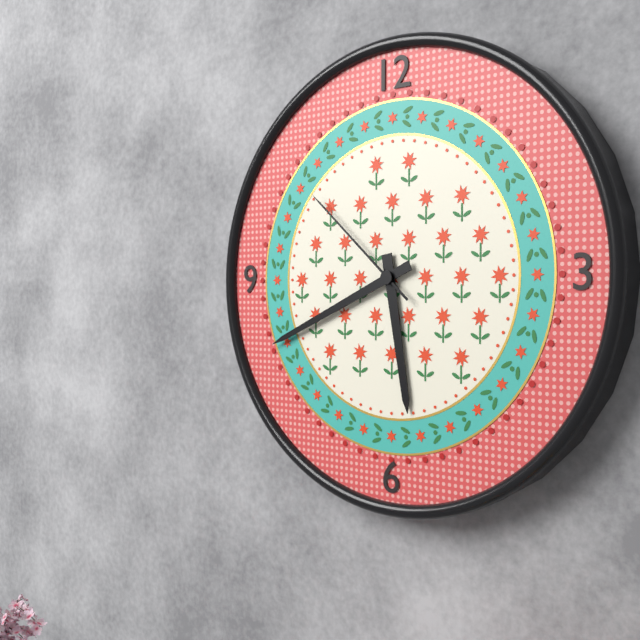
5:41:52
